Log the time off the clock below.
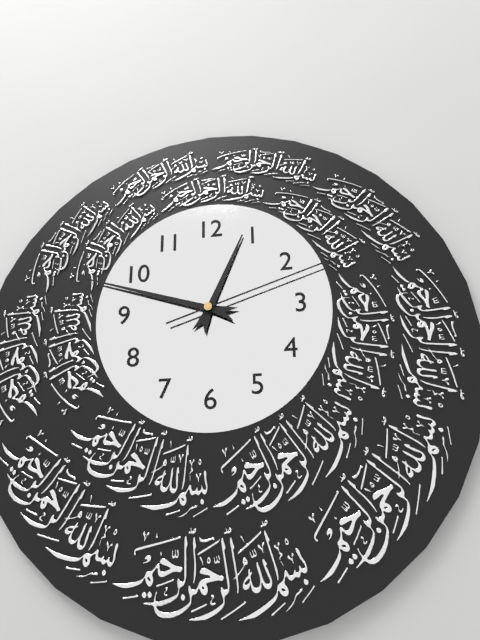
12:48:12
